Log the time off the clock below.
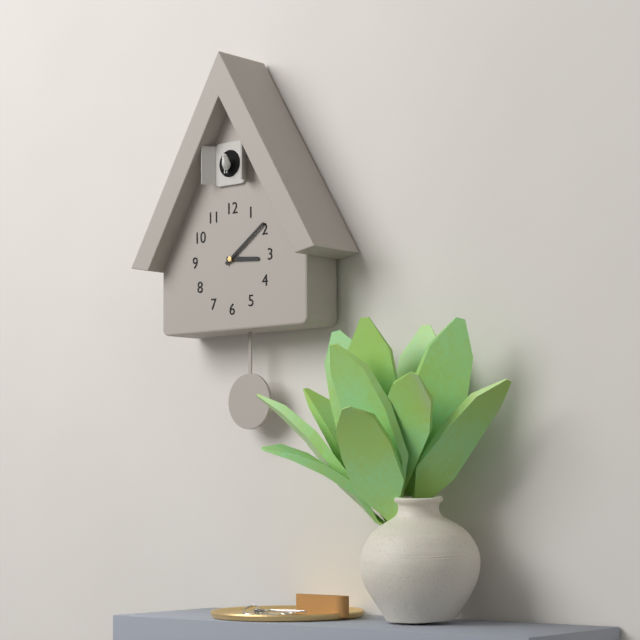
3:09
